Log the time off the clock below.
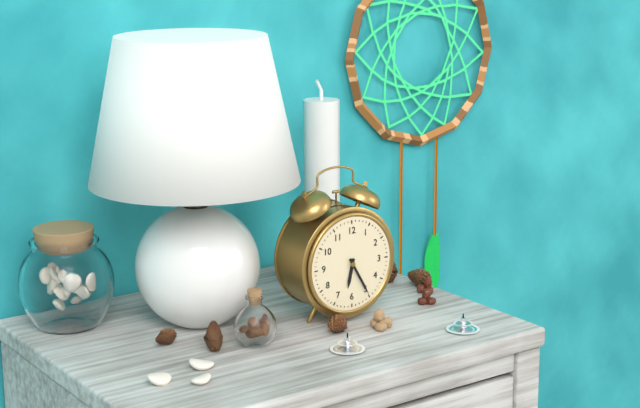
6:25
